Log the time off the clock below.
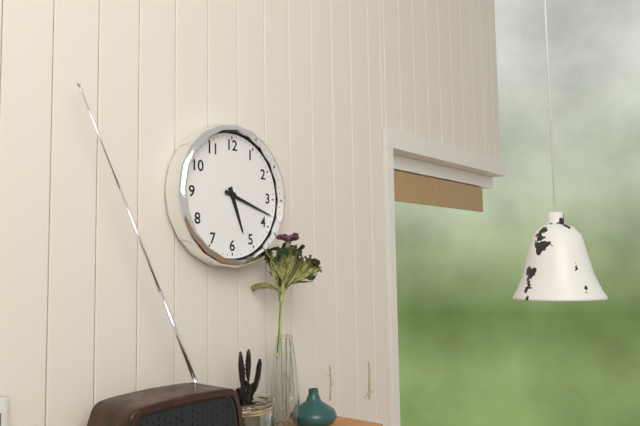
5:18
